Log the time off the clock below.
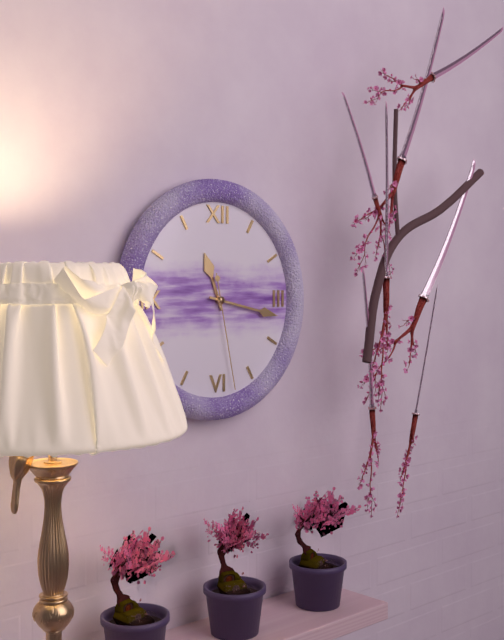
11:17:28
